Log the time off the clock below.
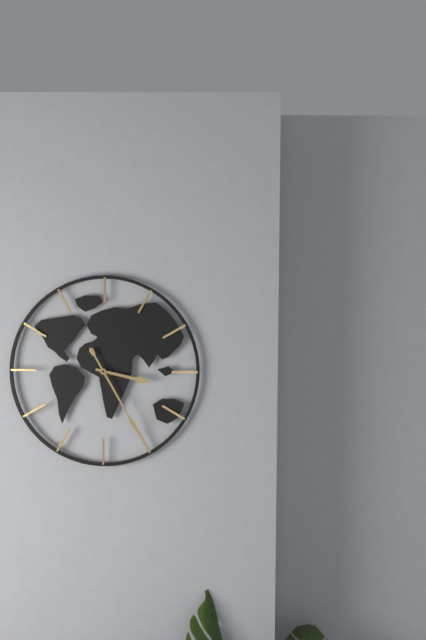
3:25
